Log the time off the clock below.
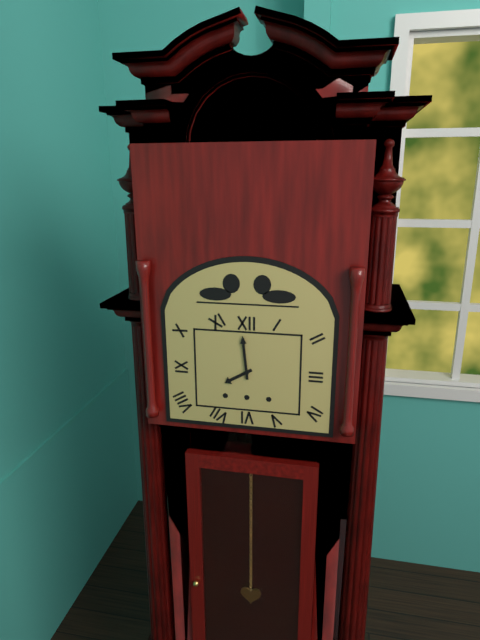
7:59
